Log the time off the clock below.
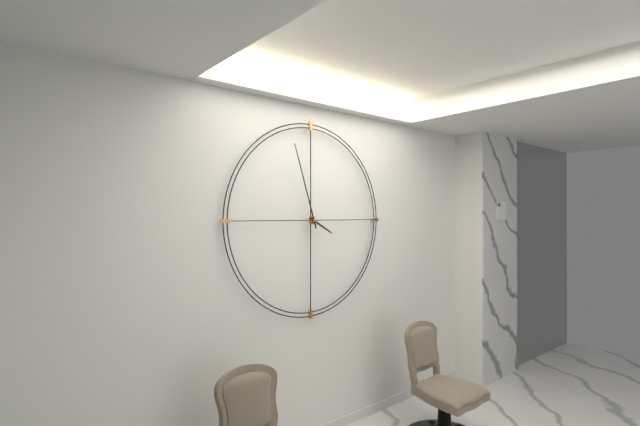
3:57
